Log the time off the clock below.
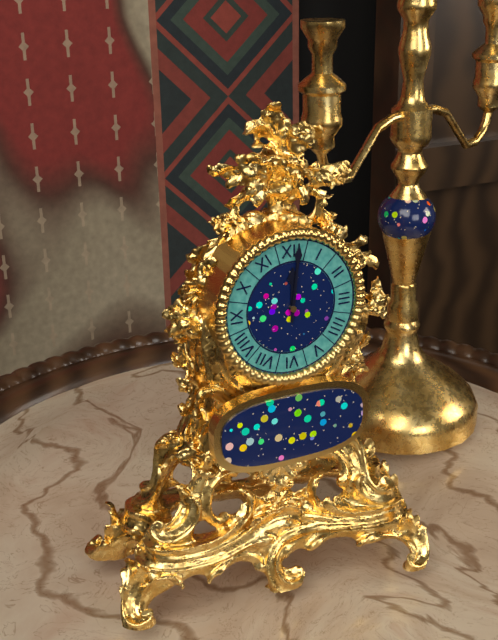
12:01
